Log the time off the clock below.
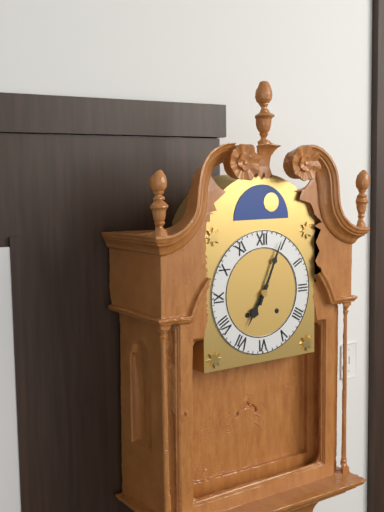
7:04
